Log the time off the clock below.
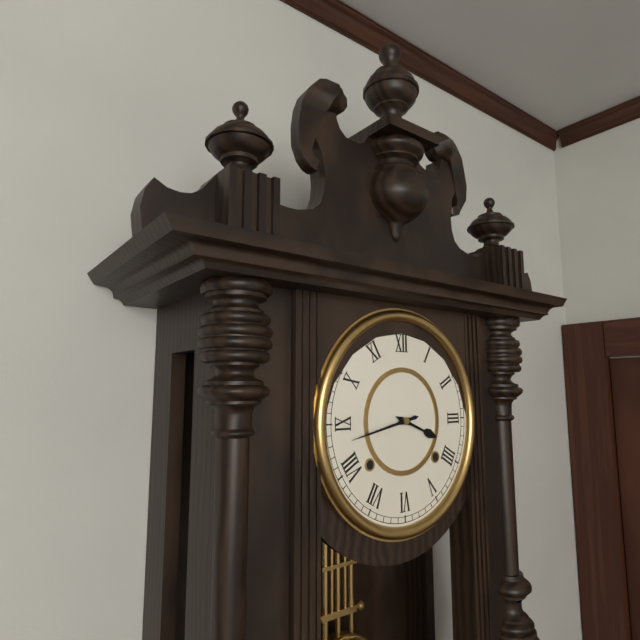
3:43
